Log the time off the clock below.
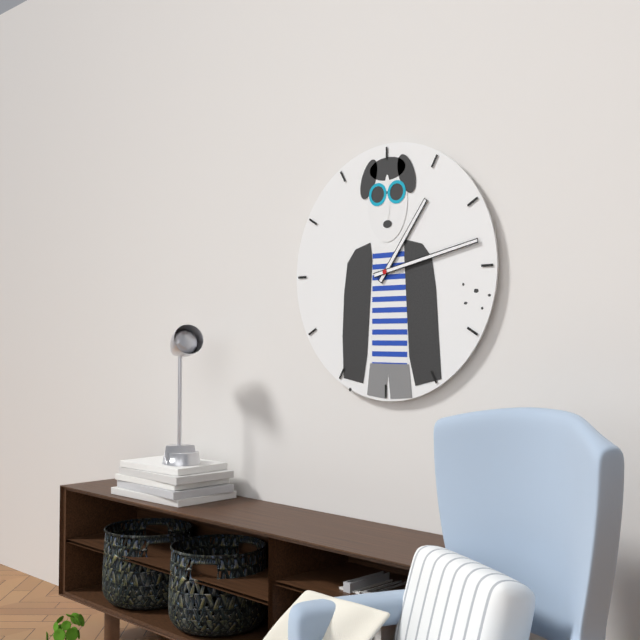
1:13
